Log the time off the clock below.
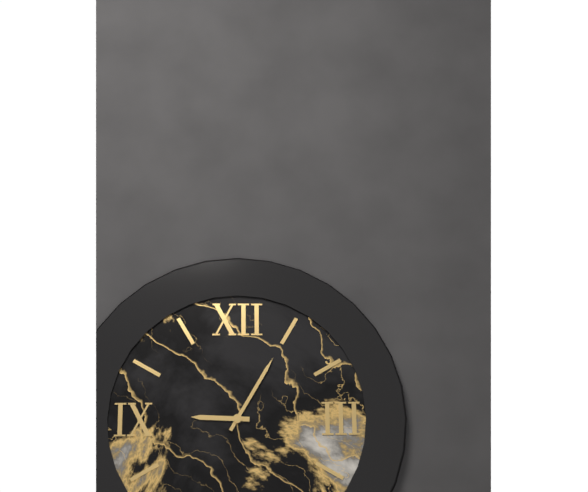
9:05
